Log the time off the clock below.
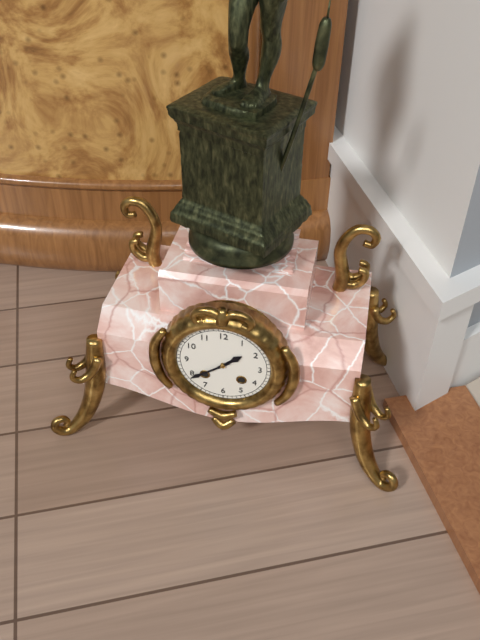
1:39
